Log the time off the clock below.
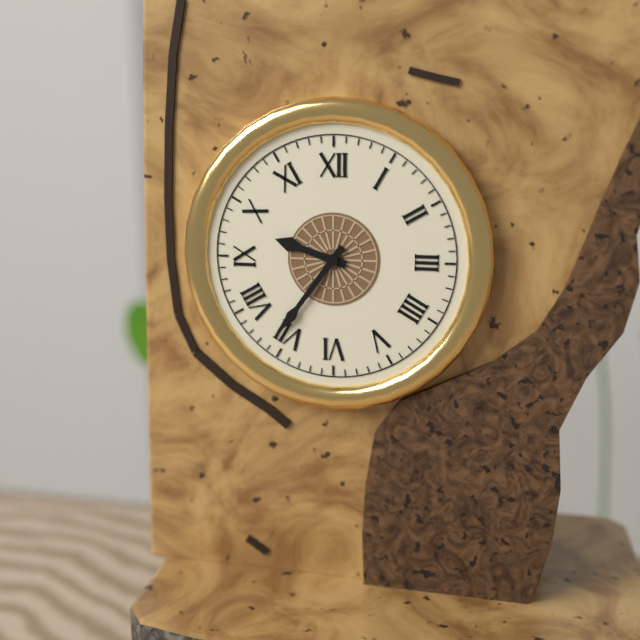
9:36
